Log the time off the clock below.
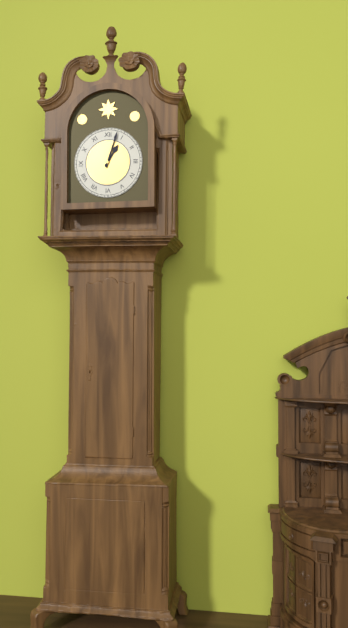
1:03
